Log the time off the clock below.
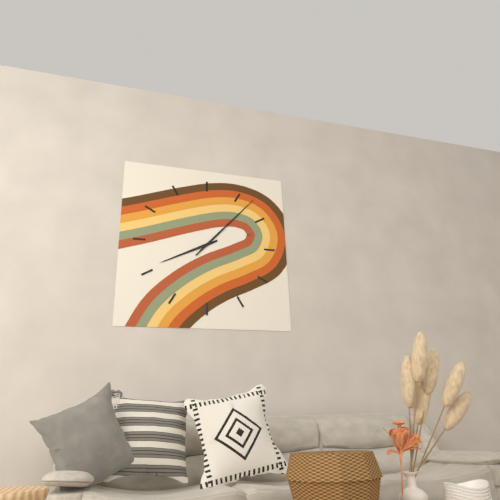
8:07
